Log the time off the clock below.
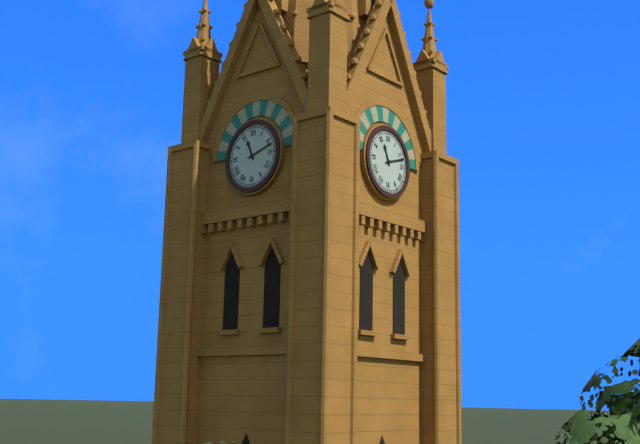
11:12
